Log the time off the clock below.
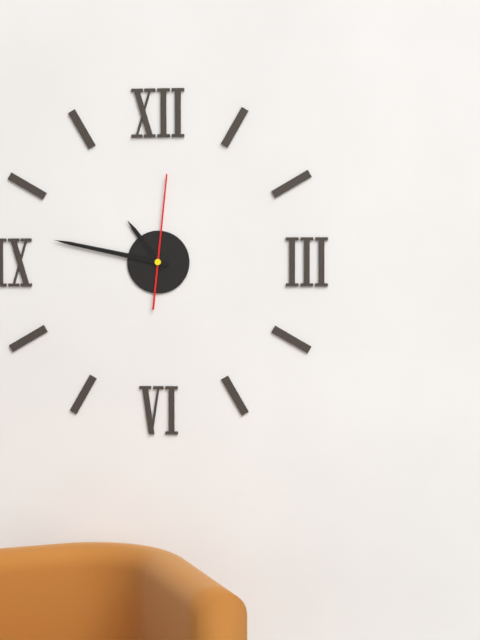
10:47:01
